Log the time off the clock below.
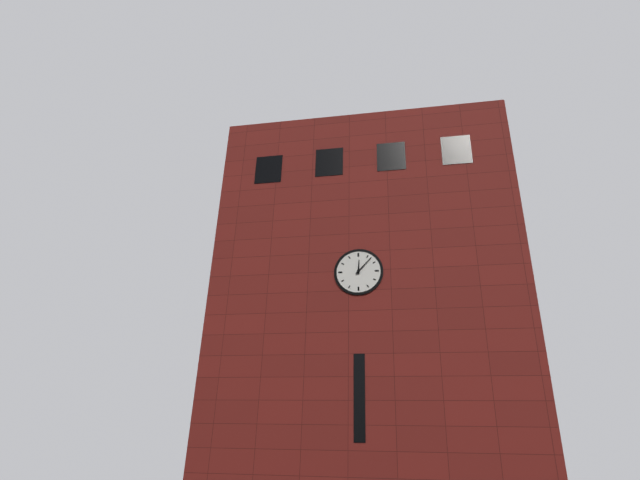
12:07
